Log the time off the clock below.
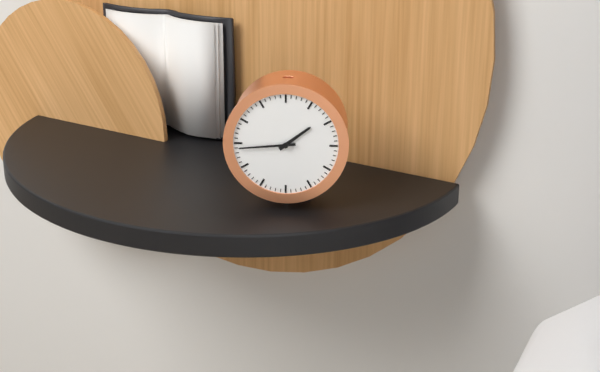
1:44
